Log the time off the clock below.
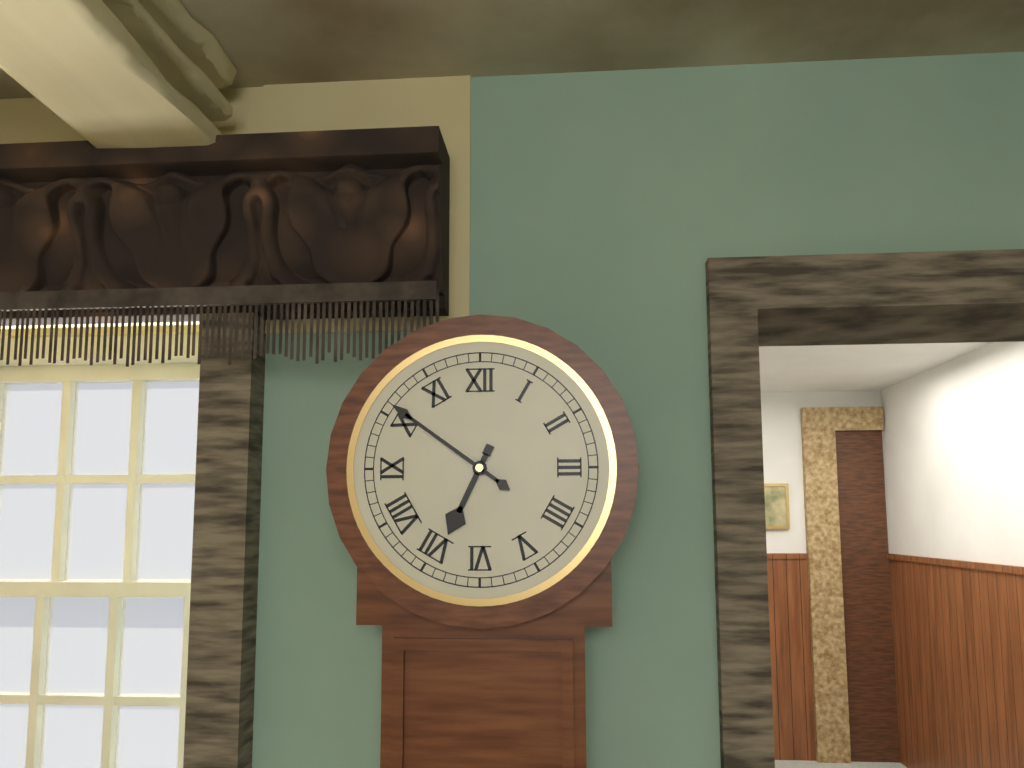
6:51
